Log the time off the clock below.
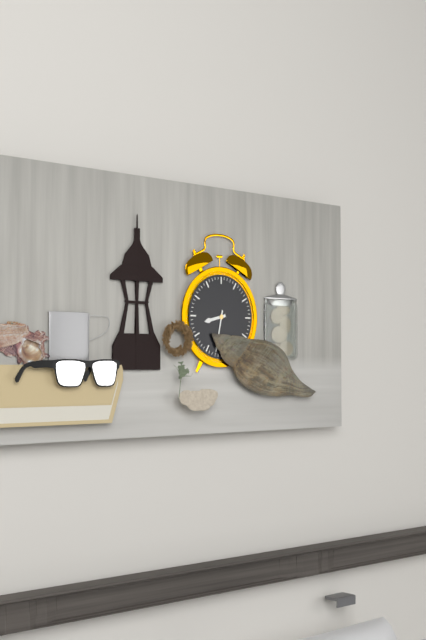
8:32
